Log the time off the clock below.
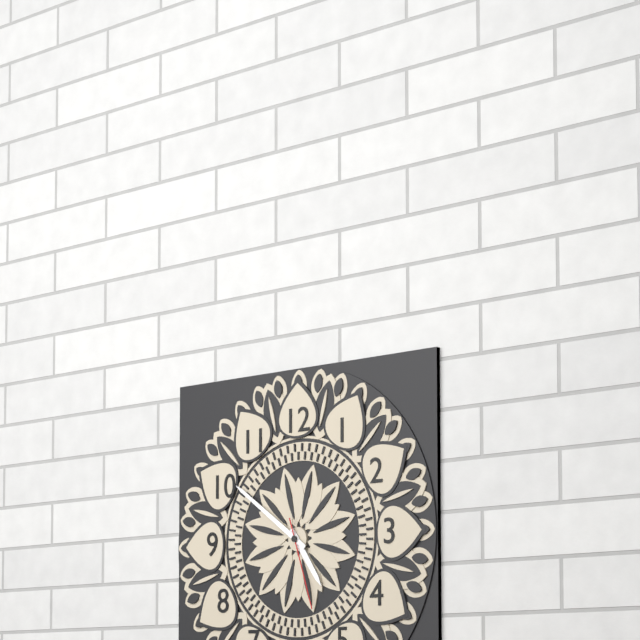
4:51:27
